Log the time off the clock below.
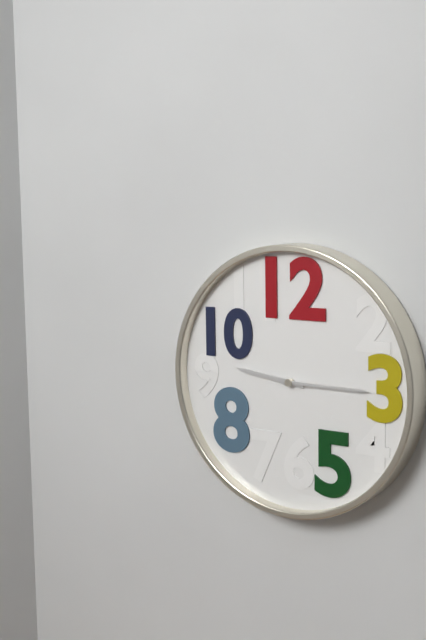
9:15
